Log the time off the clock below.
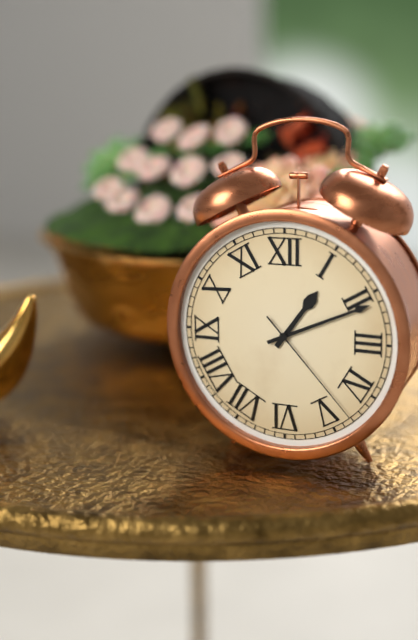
1:11:23
